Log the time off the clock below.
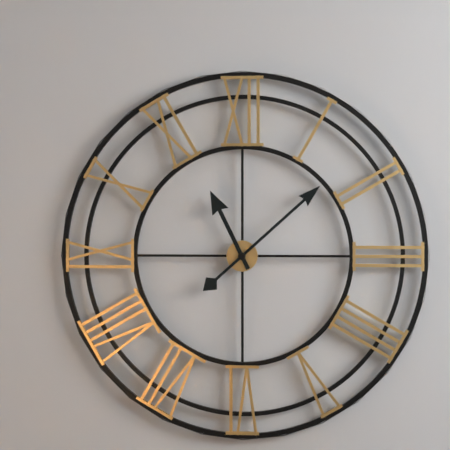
11:08
